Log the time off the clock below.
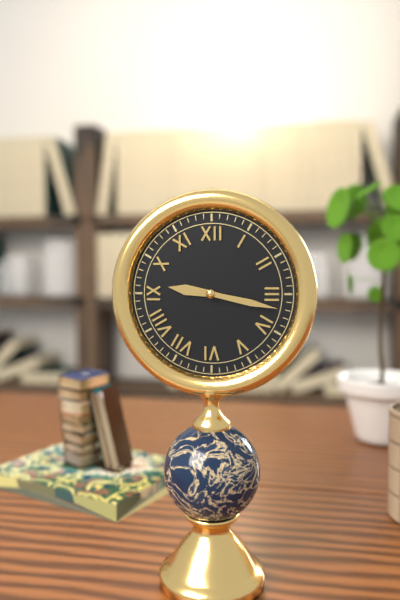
9:17
